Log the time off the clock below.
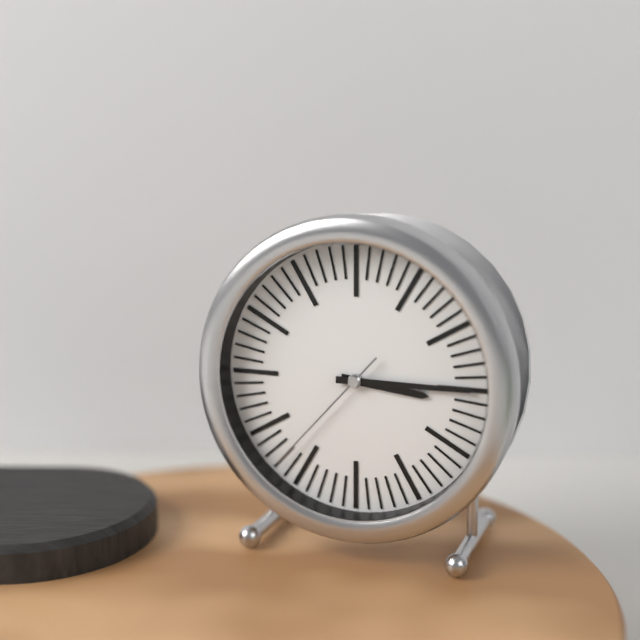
3:15:37
